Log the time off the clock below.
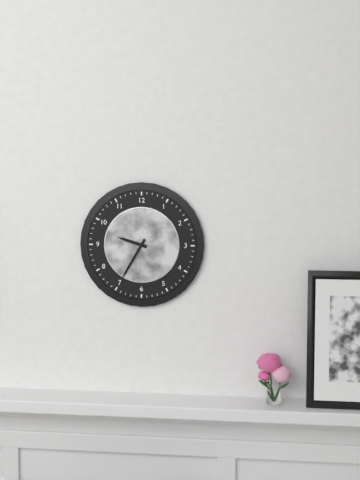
9:35
